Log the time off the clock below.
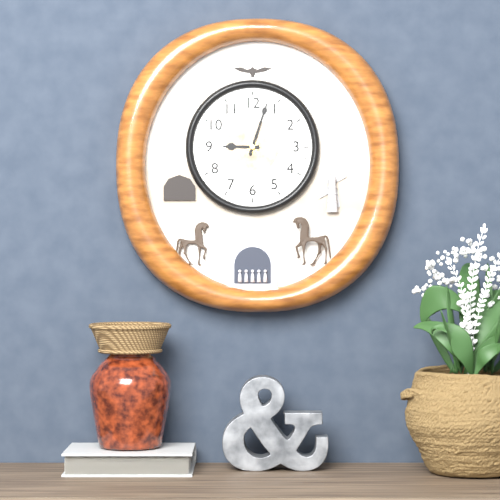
9:03
